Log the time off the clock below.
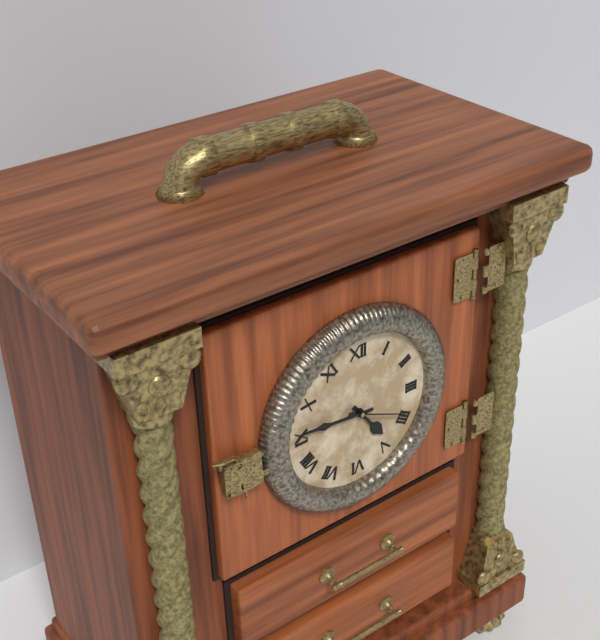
4:46:19
